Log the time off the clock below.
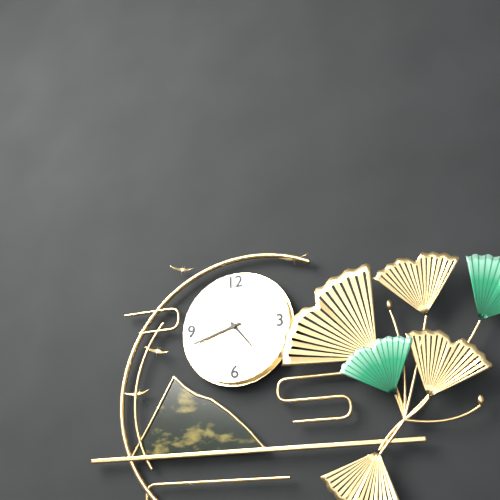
4:42
